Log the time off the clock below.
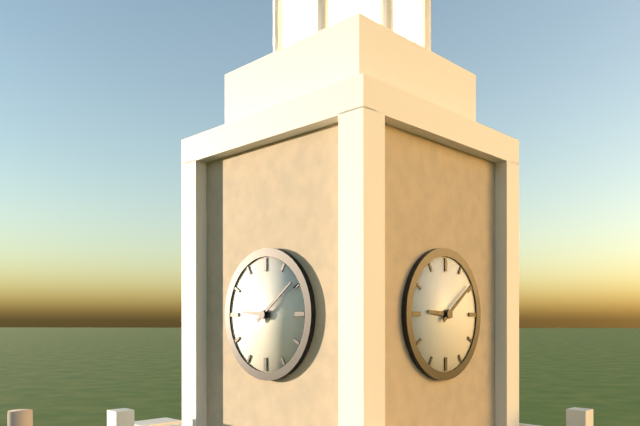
9:09
